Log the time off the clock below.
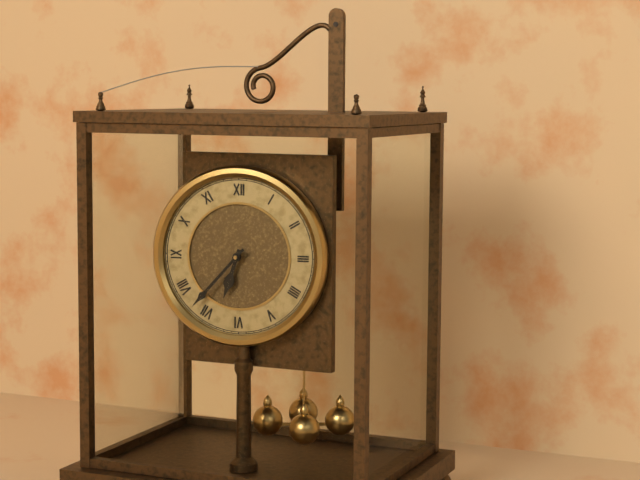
6:37
